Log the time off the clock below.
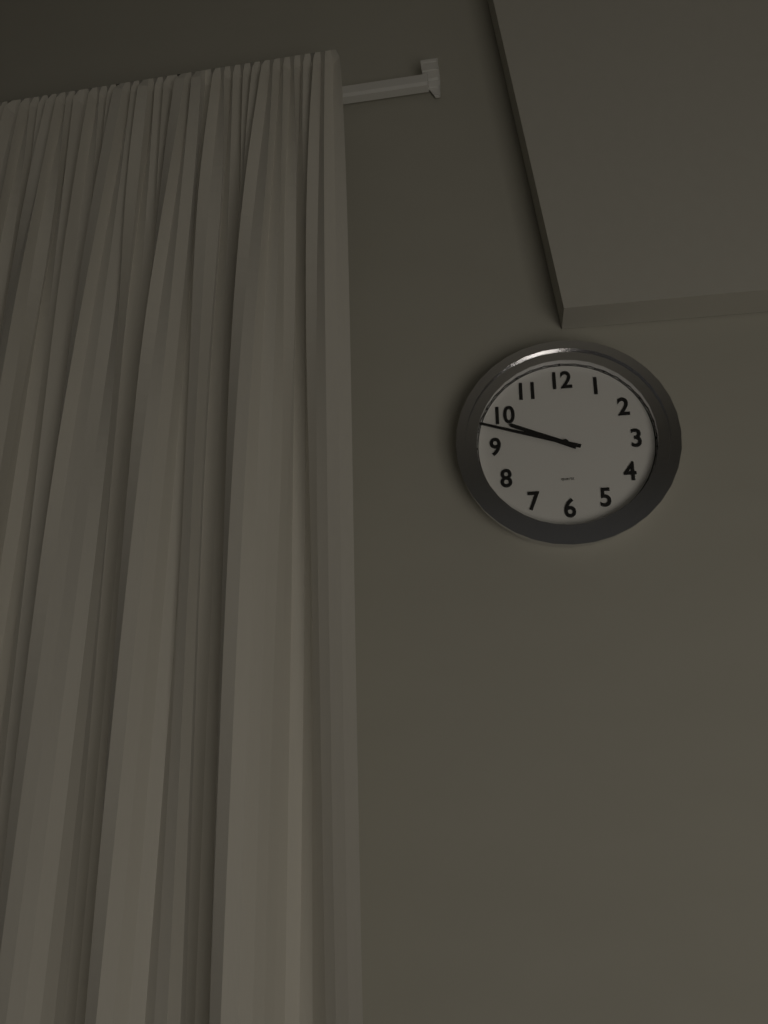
9:48
